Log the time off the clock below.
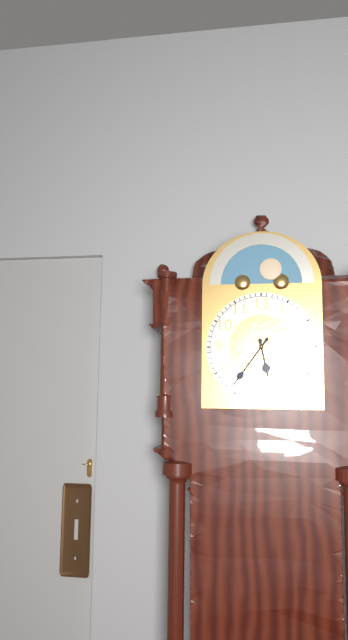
5:36
